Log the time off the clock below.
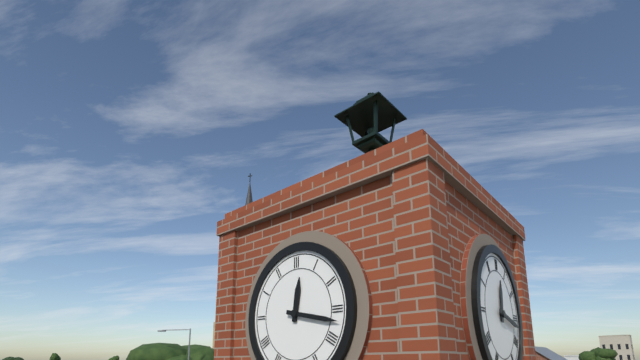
12:17
